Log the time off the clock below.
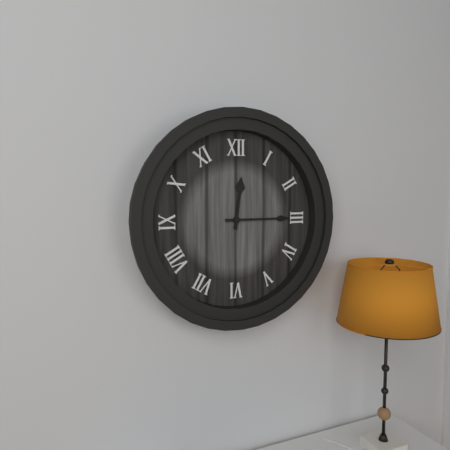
12:15
